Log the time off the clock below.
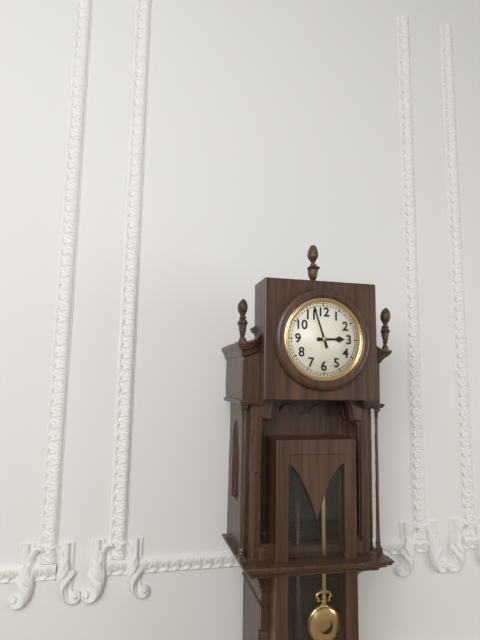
2:57
